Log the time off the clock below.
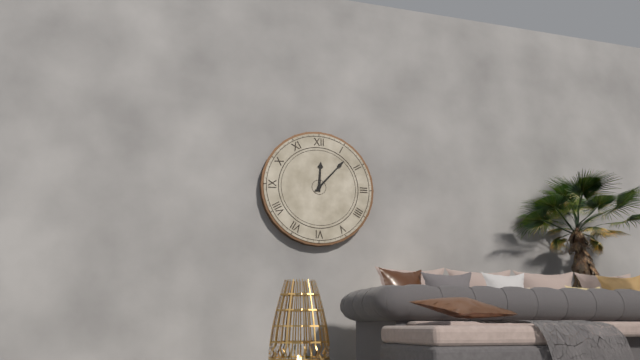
12:07
